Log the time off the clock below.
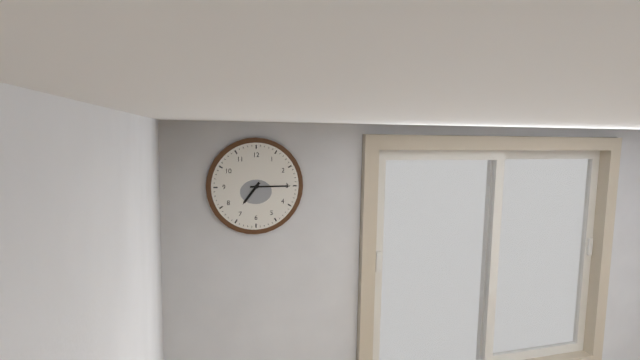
7:15
